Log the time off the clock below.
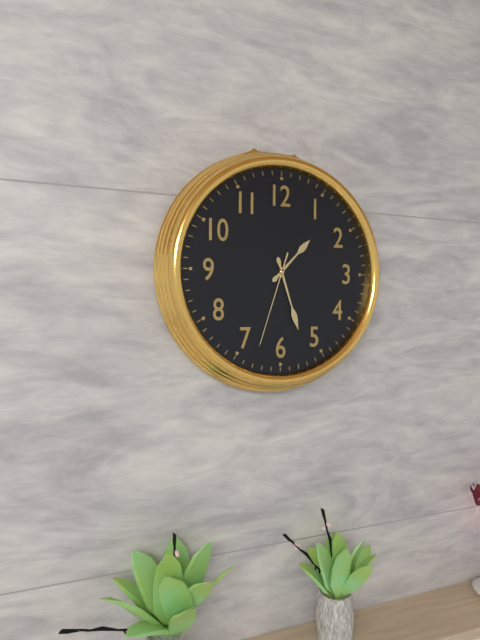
1:27:33
